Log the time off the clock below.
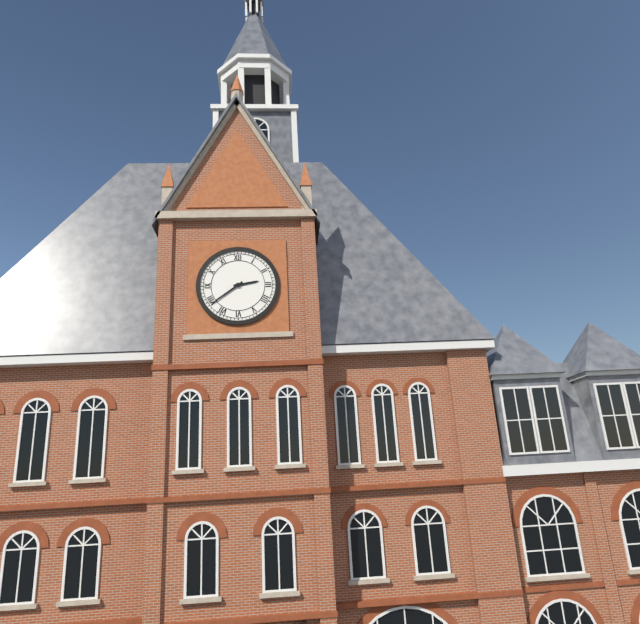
2:39
